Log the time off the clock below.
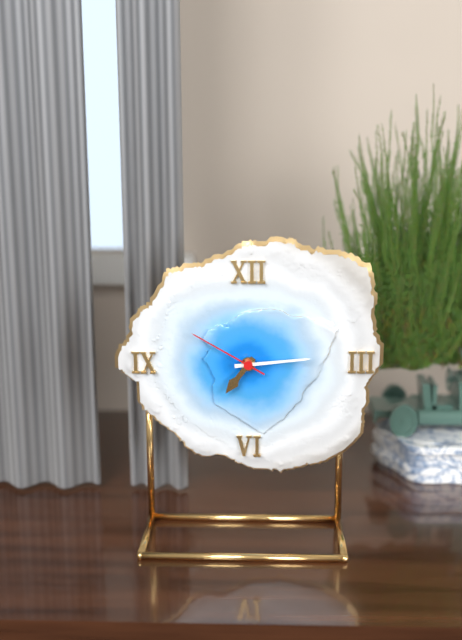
7:14:50
